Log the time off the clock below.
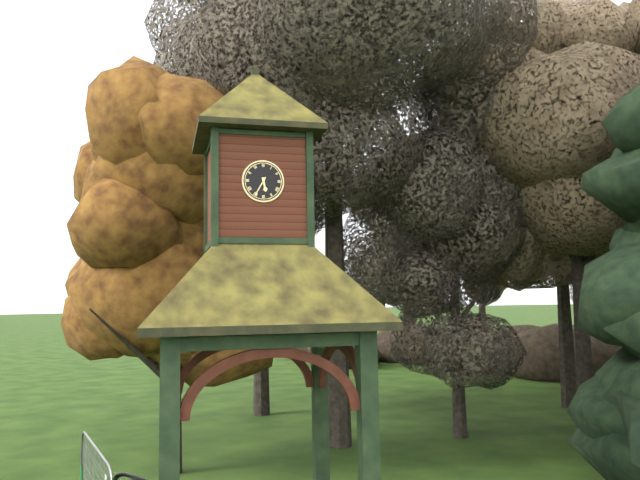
5:35
